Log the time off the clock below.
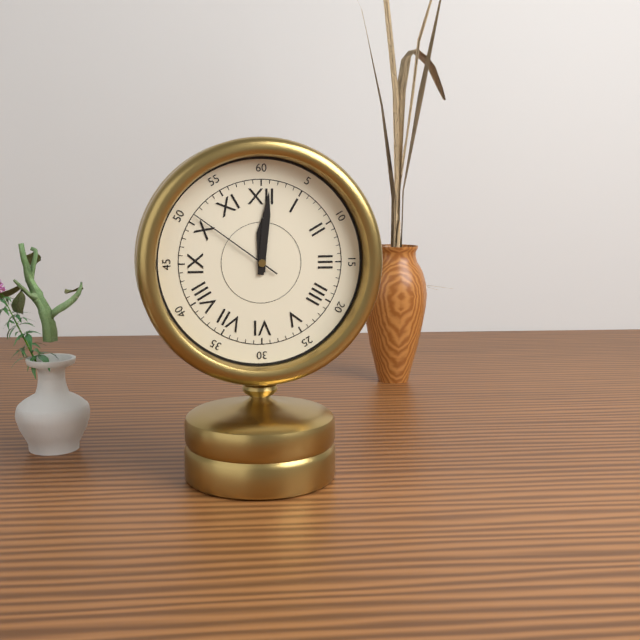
12:01:51
